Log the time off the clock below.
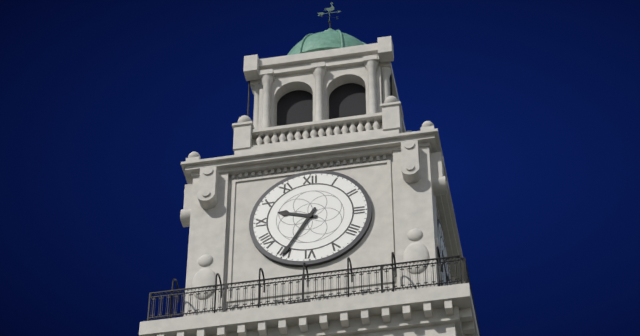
9:35
